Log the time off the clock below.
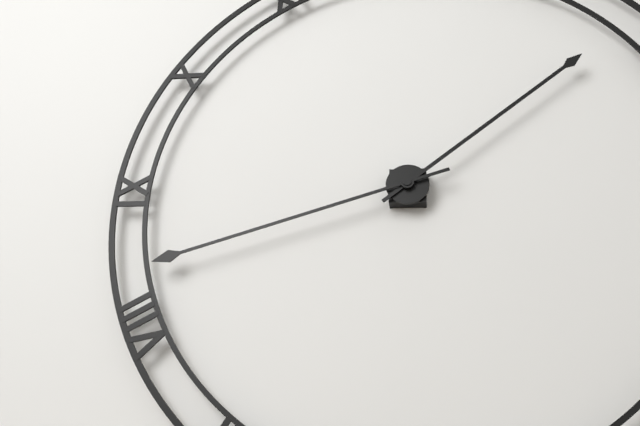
1:42
